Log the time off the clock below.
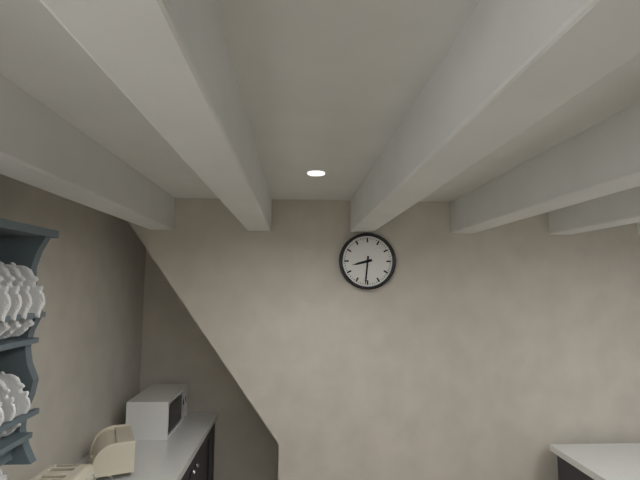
8:31
